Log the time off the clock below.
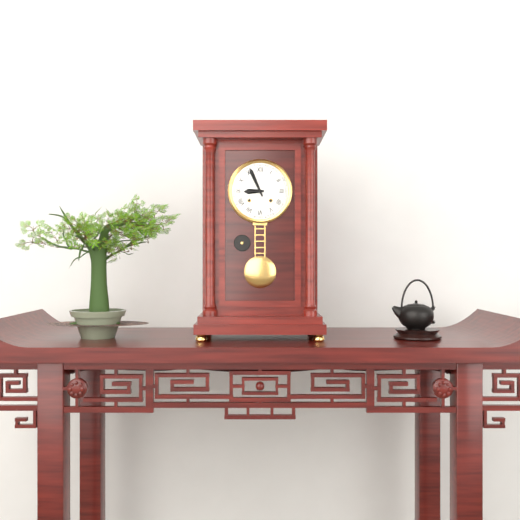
8:56
